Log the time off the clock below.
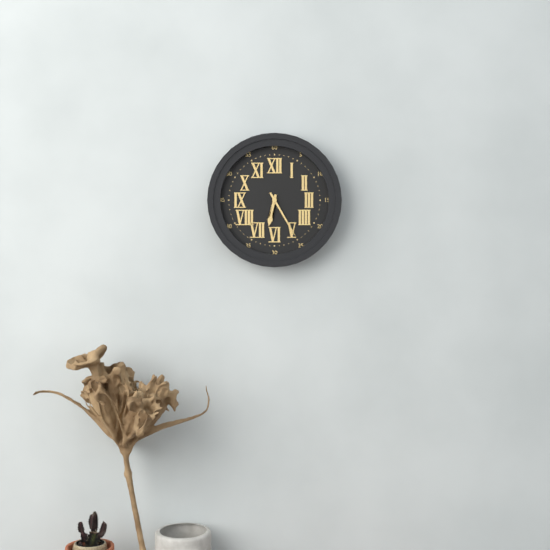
6:25
